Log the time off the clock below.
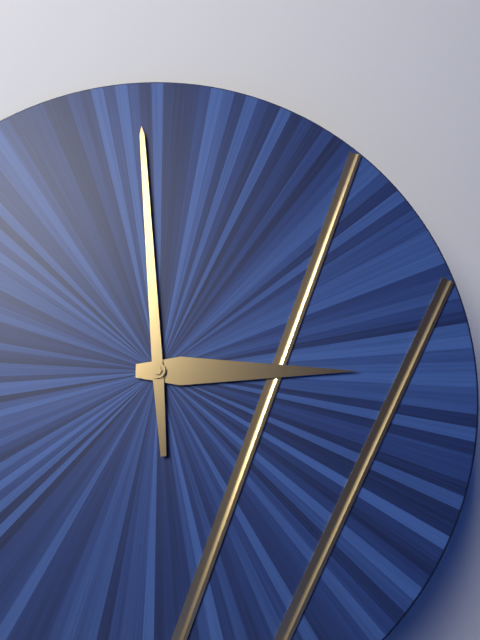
2:59
